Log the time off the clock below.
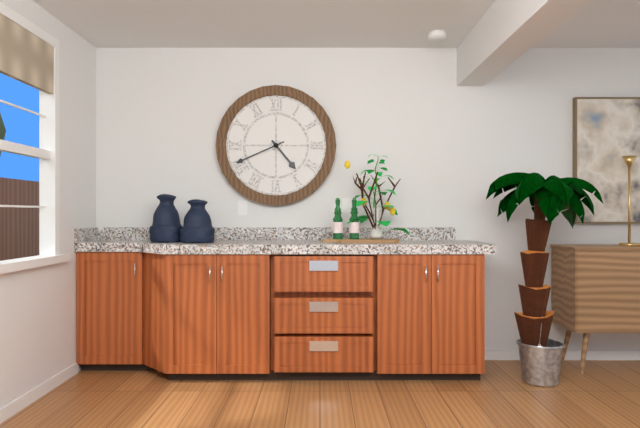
4:41
